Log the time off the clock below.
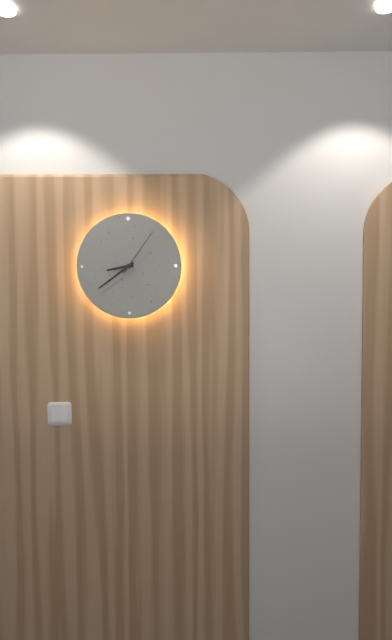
8:39:06
